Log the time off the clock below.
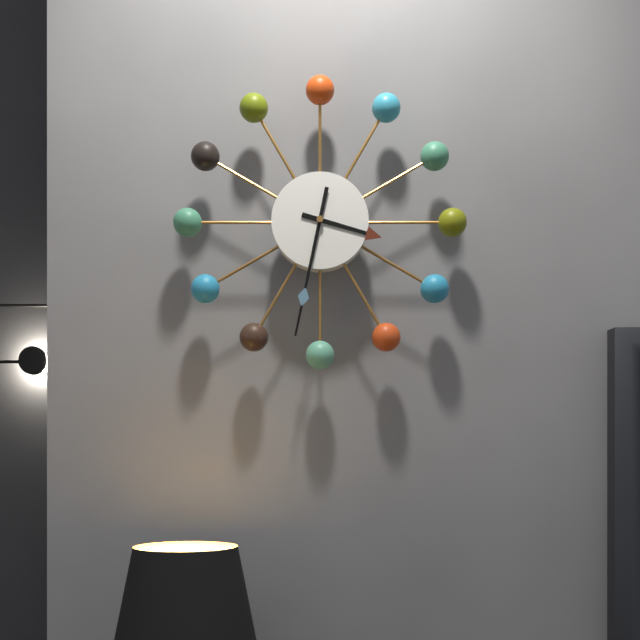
3:32
